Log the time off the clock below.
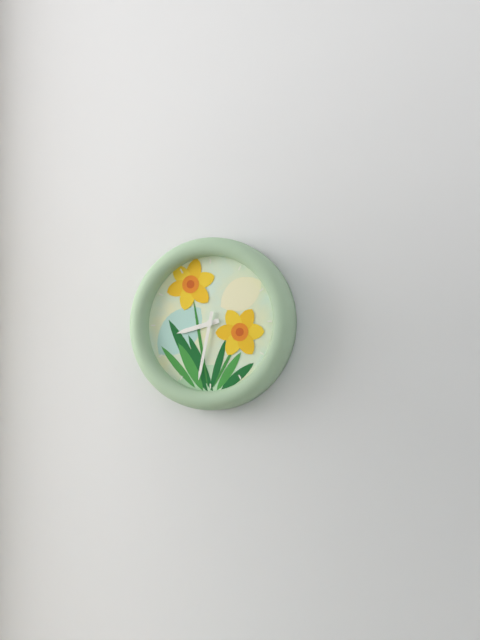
8:32
